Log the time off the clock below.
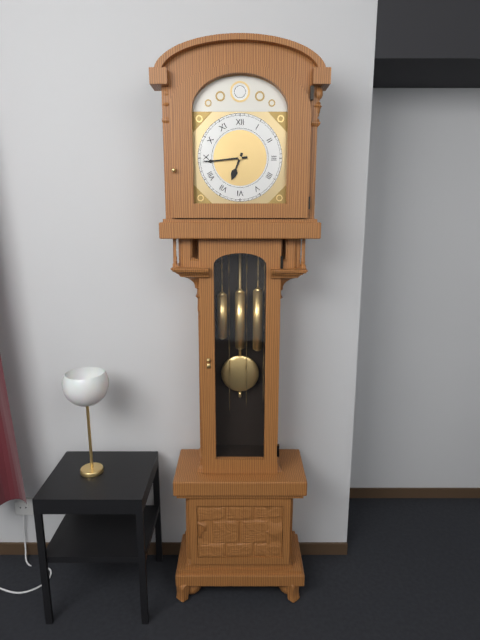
6:44
